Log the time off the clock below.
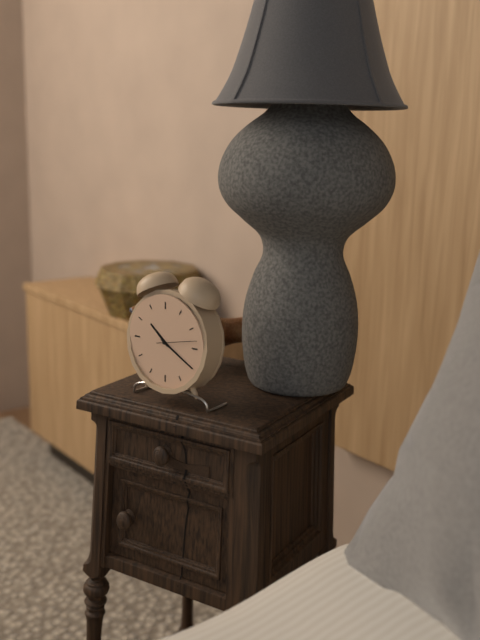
10:20
